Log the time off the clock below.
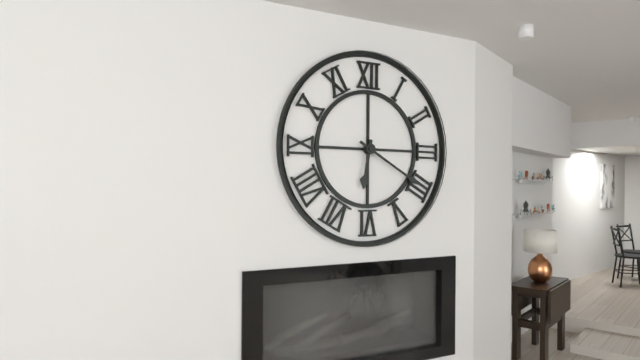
6:20
